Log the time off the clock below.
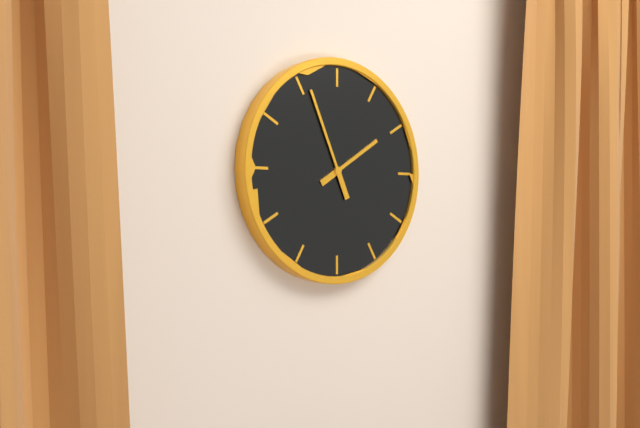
1:56
